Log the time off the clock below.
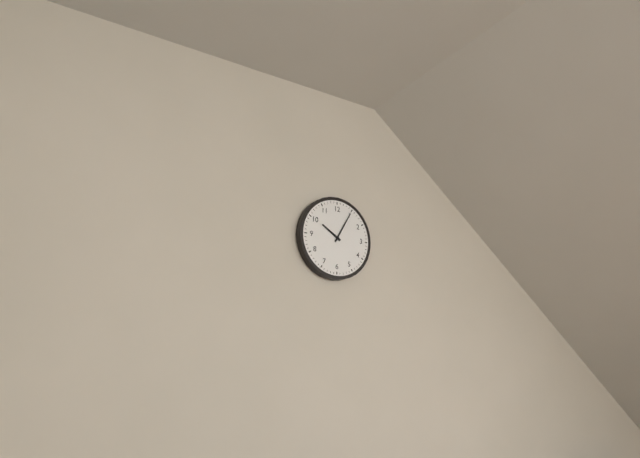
10:05
